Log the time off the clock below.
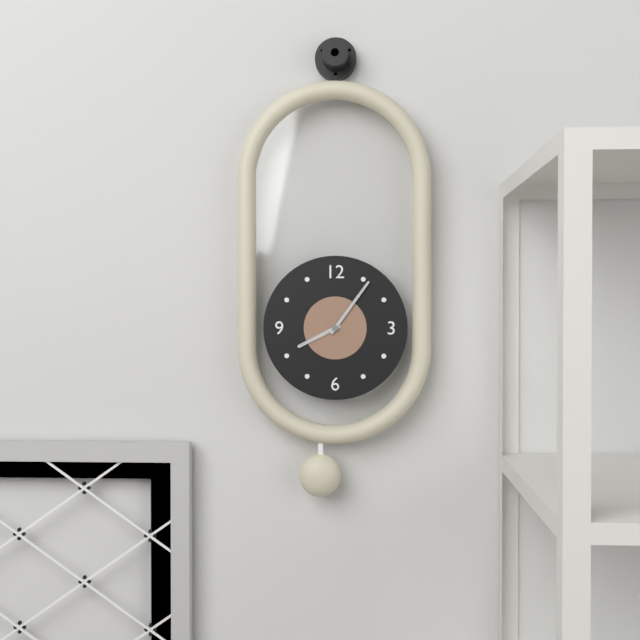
8:06
